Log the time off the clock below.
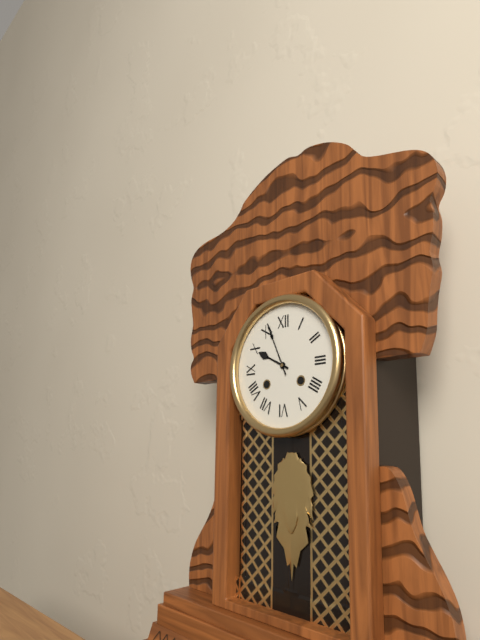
9:56
